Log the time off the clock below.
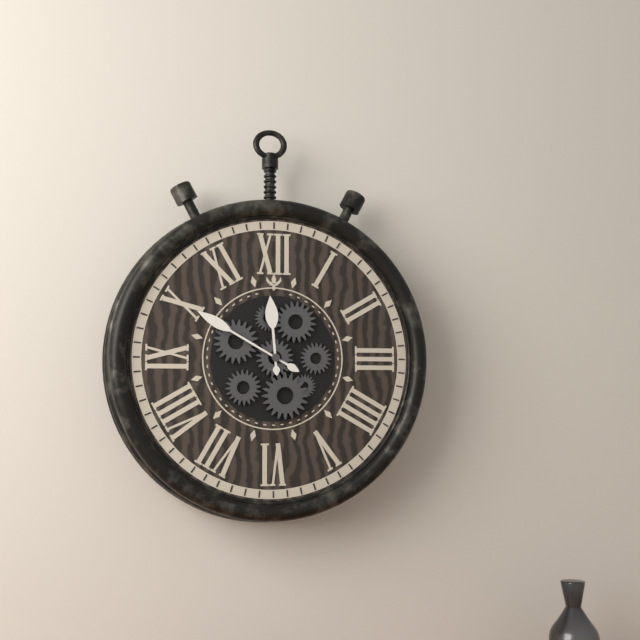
11:50
